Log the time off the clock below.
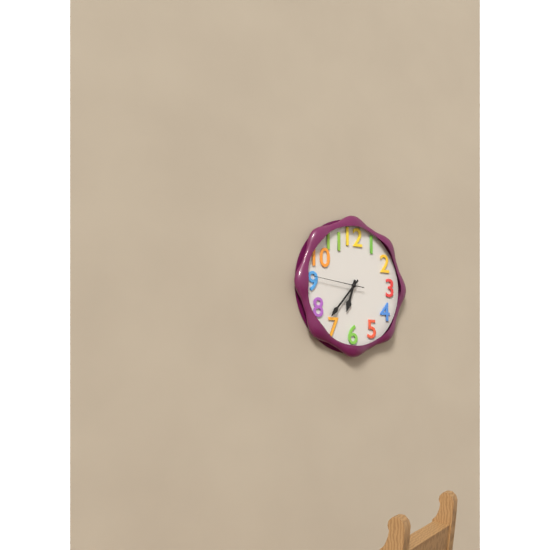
6:37:46
